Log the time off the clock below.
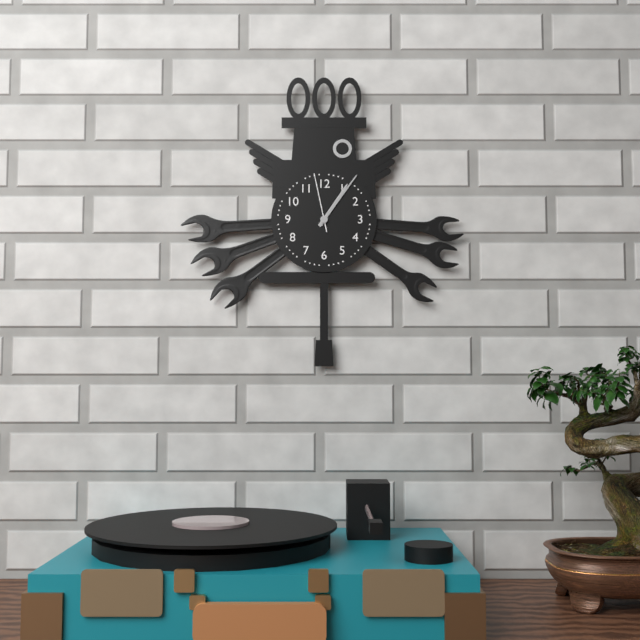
1:06:58
